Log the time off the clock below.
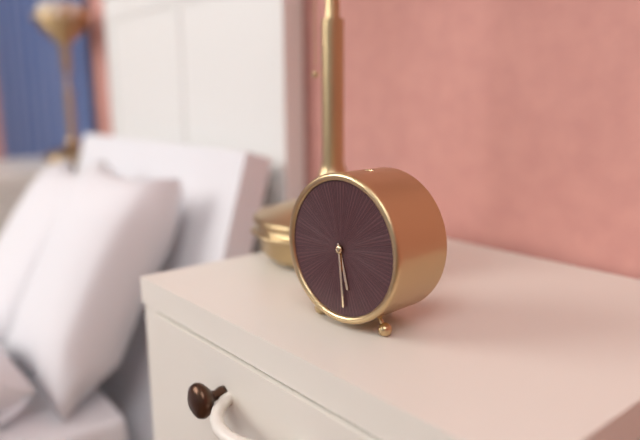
5:29
